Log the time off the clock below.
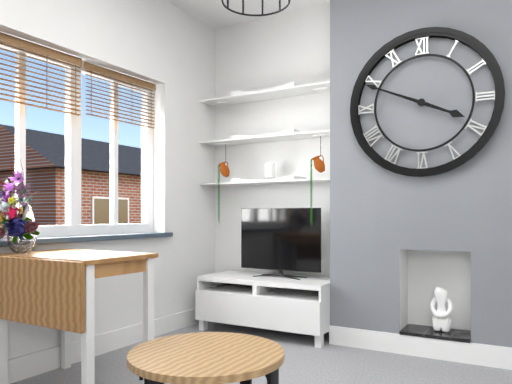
3:49:49
